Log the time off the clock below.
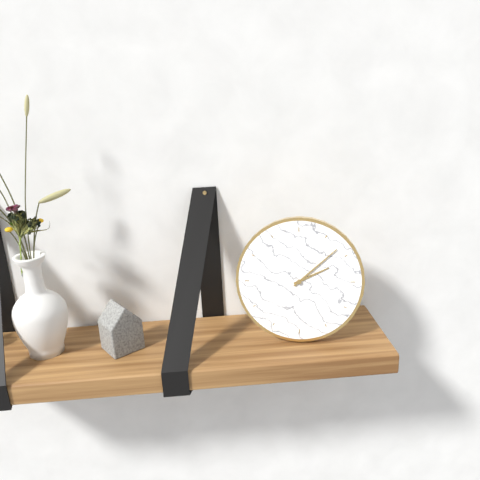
2:08
